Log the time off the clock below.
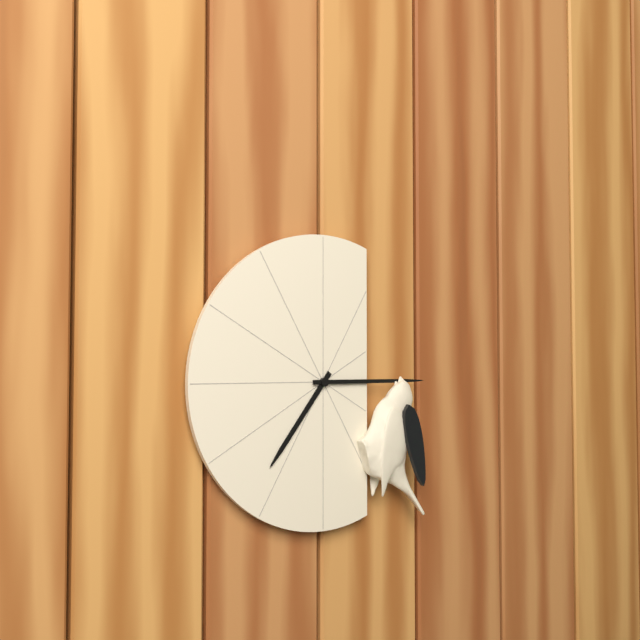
7:15
